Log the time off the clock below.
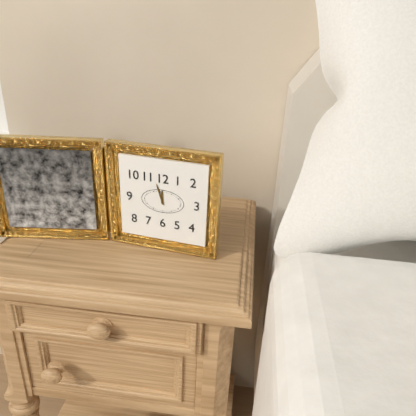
11:57
